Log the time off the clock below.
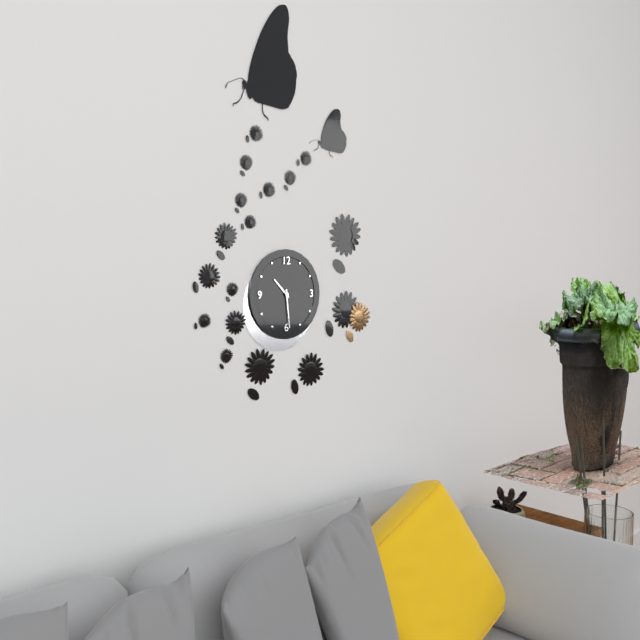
10:29
